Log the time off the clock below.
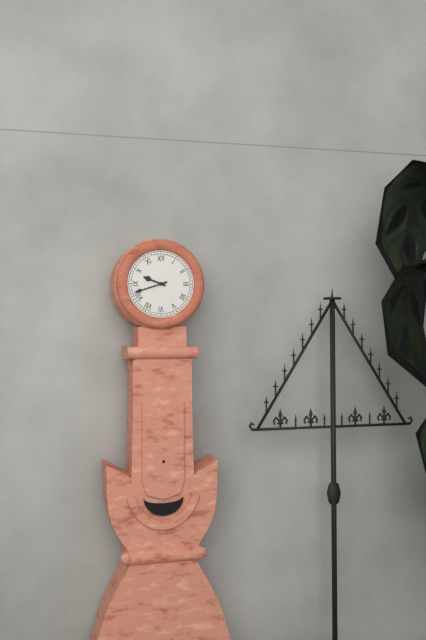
9:42
